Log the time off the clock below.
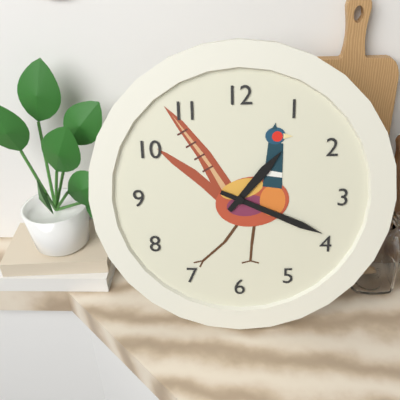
1:19
